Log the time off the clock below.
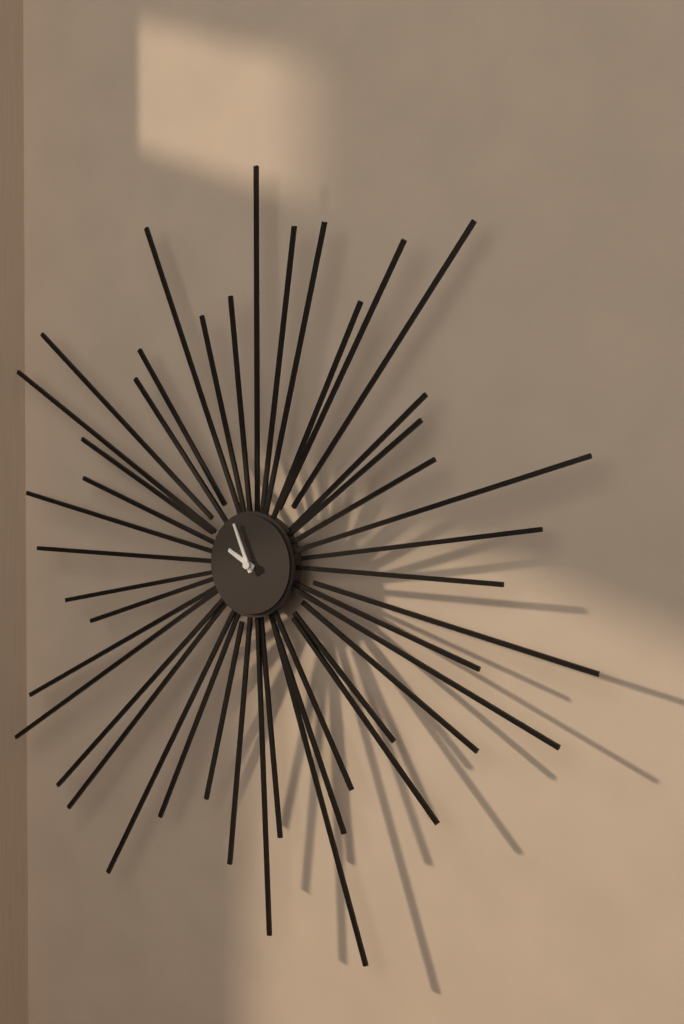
9:56
